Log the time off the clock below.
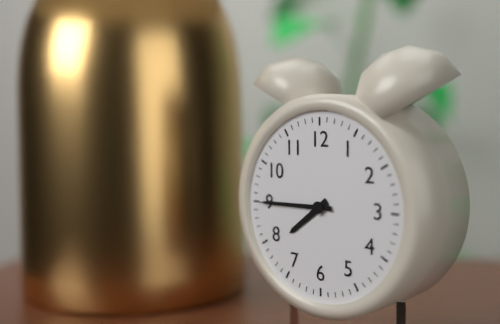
7:45
